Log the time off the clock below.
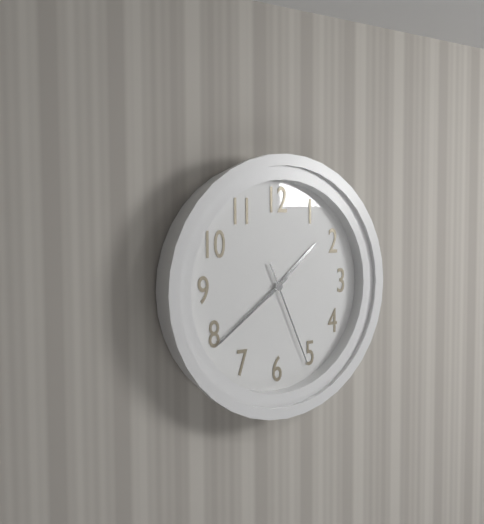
1:39:26
